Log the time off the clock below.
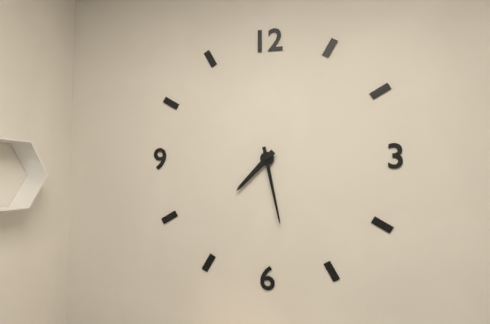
7:28
